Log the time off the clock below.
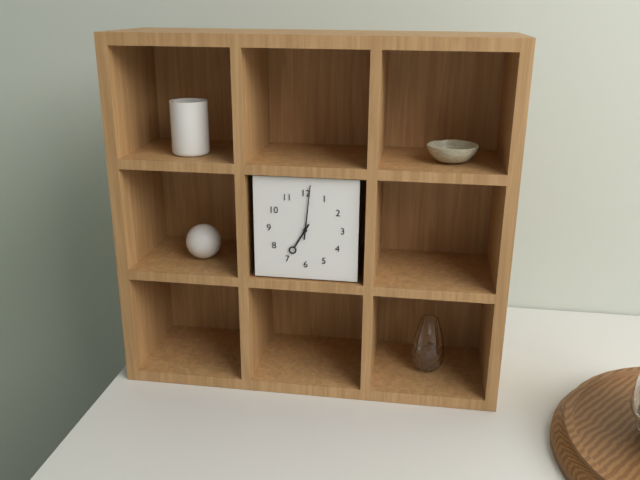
7:01
